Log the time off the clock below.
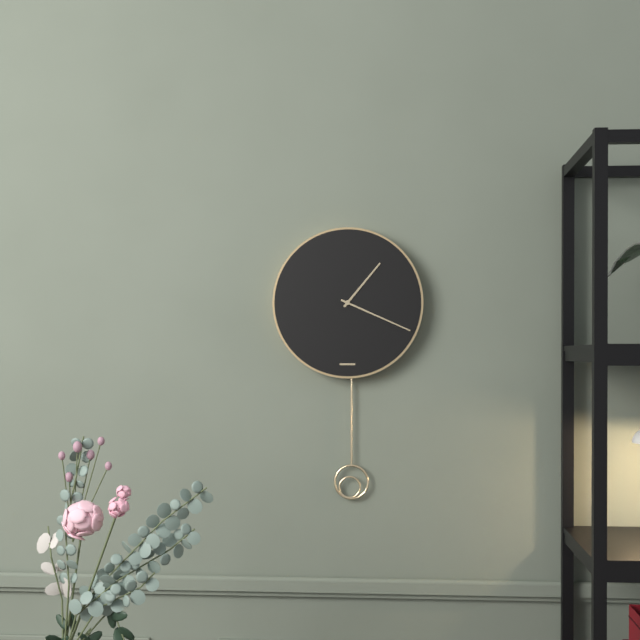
1:19
